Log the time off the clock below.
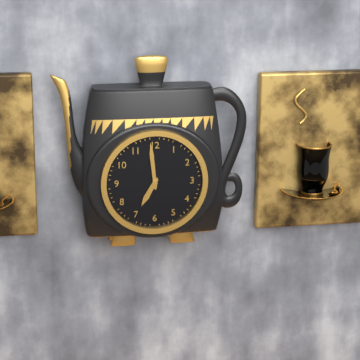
6:59
